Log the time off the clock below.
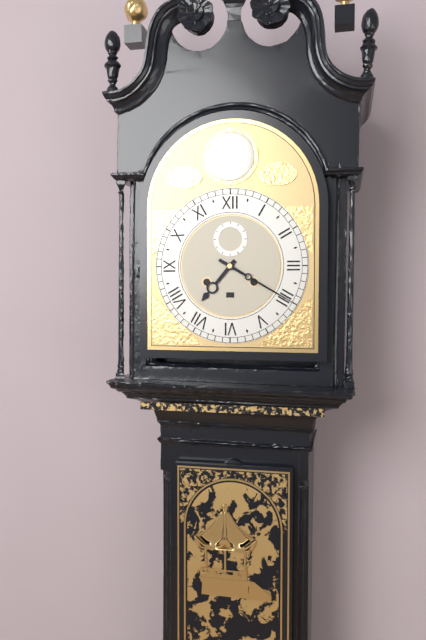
7:20
